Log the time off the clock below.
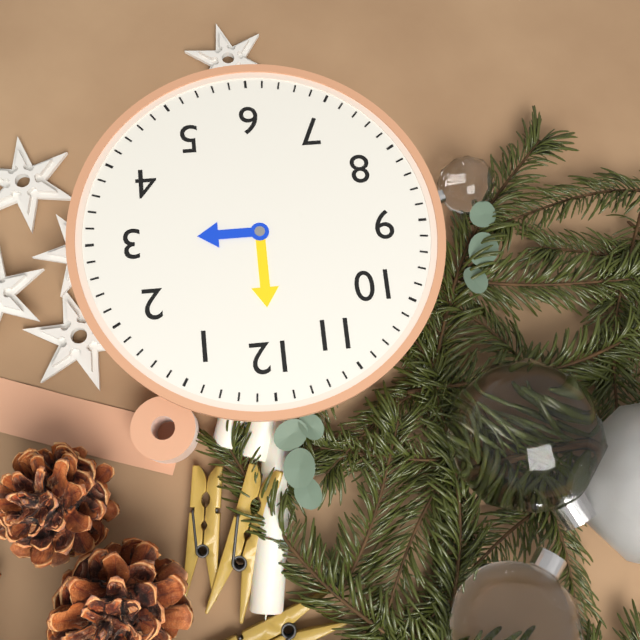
3:00
